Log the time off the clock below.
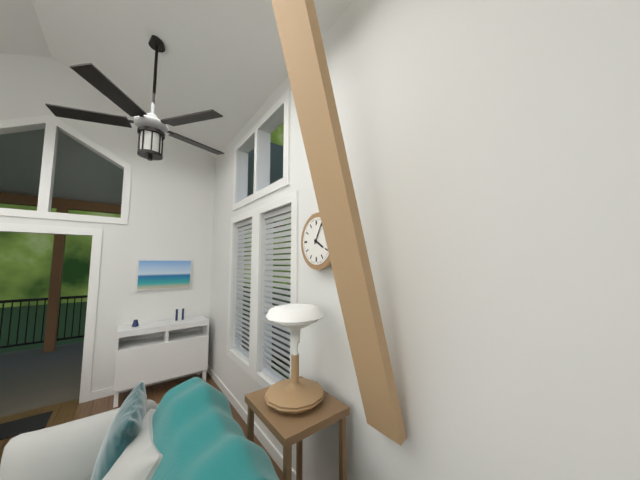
4:05
